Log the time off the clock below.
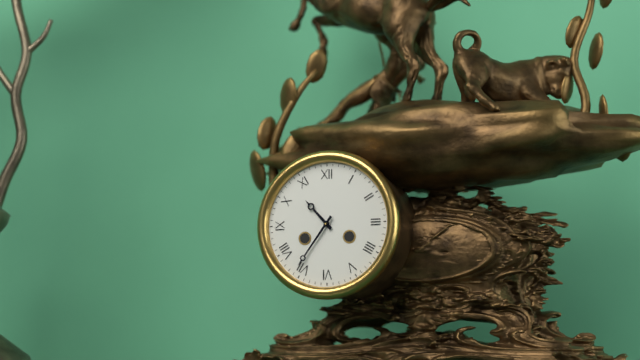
10:36
